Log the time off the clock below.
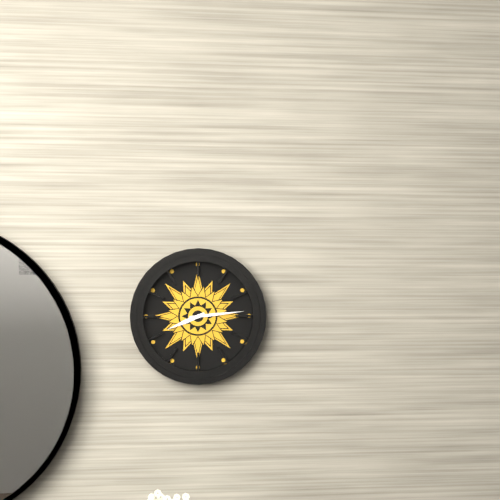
8:14
